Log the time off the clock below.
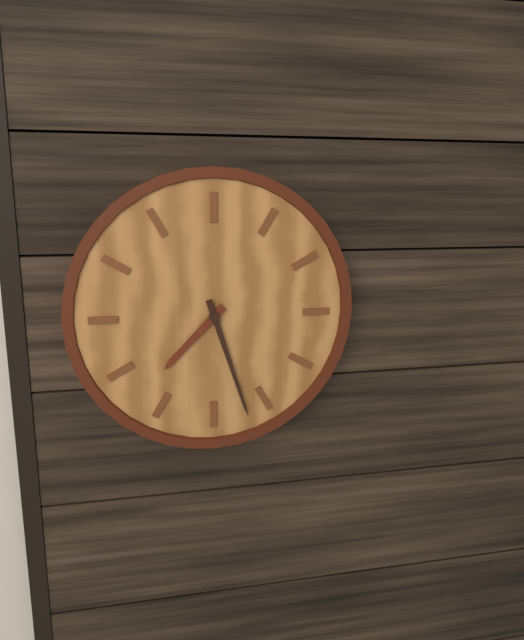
7:27
